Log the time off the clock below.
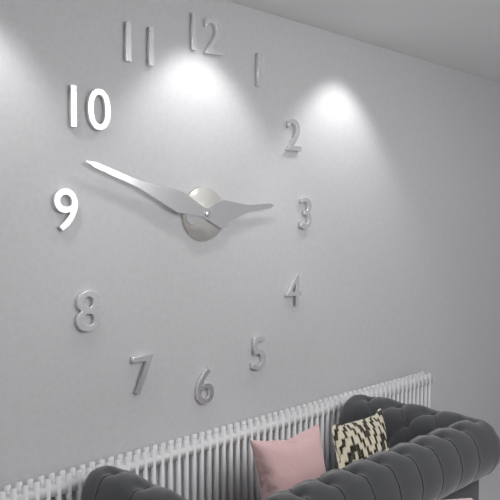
2:48
